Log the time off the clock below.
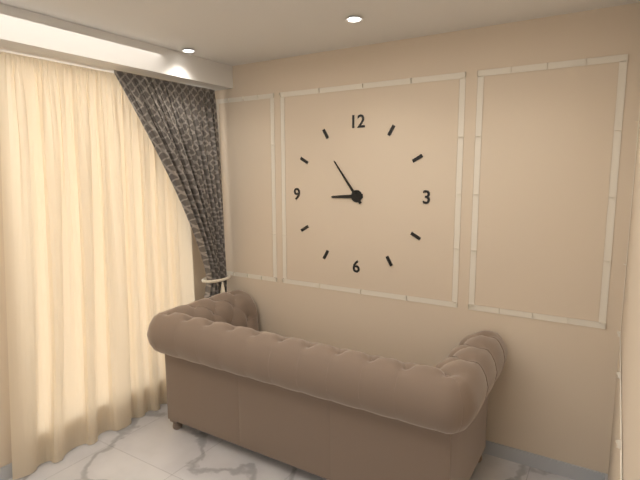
8:54
